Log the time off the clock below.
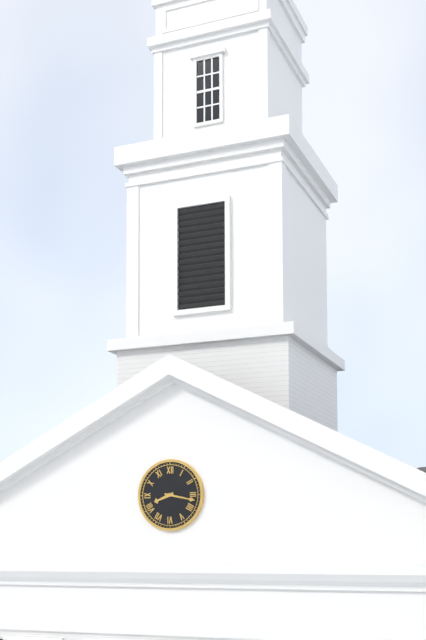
8:17
